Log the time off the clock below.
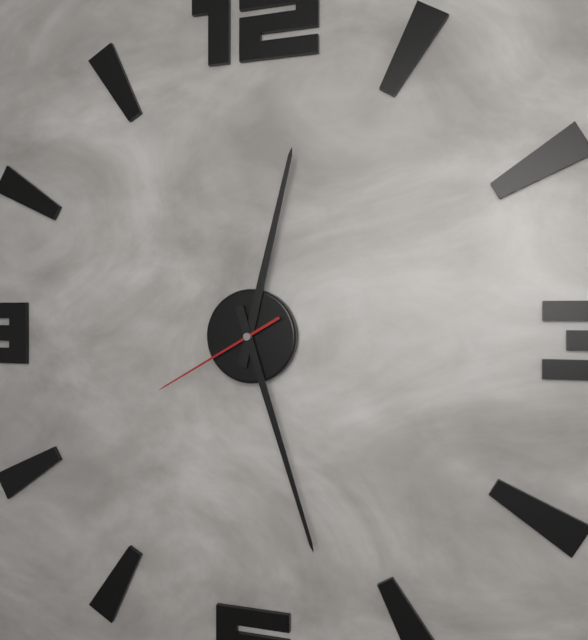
12:27:40
